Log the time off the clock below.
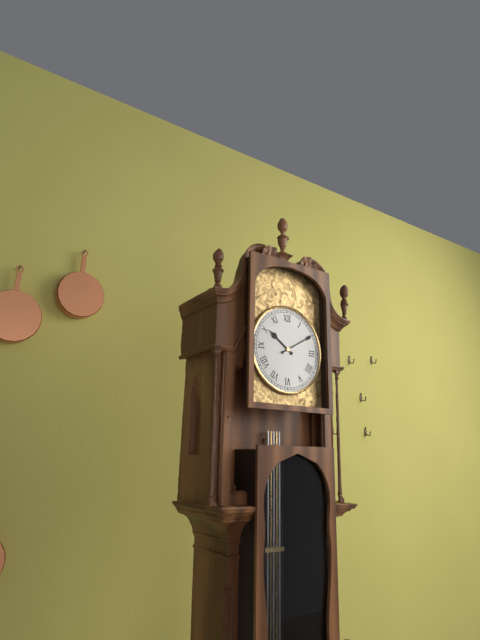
10:10
